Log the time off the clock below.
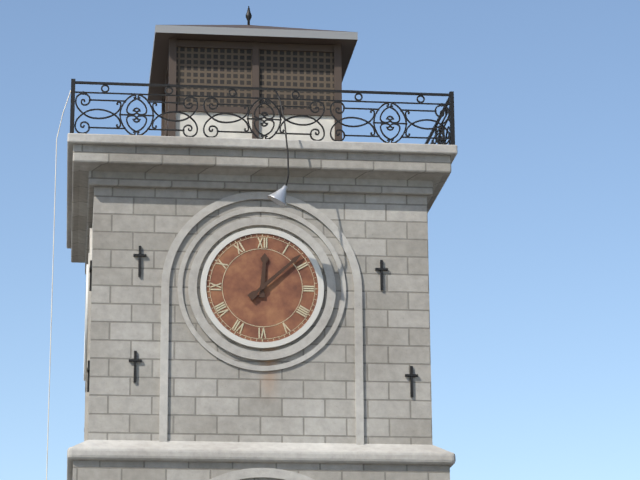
12:08
